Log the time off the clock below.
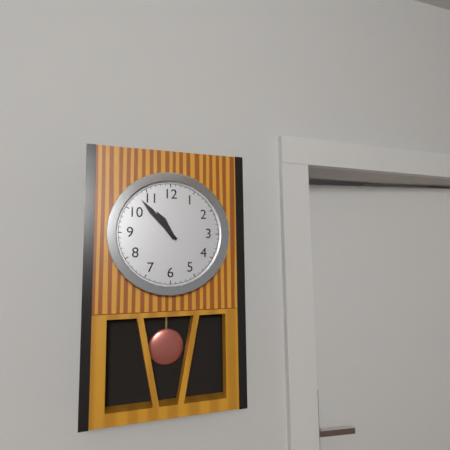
10:53
